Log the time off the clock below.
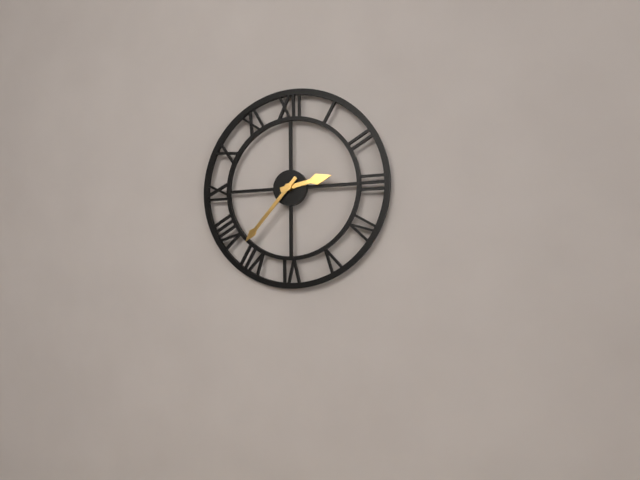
2:37
